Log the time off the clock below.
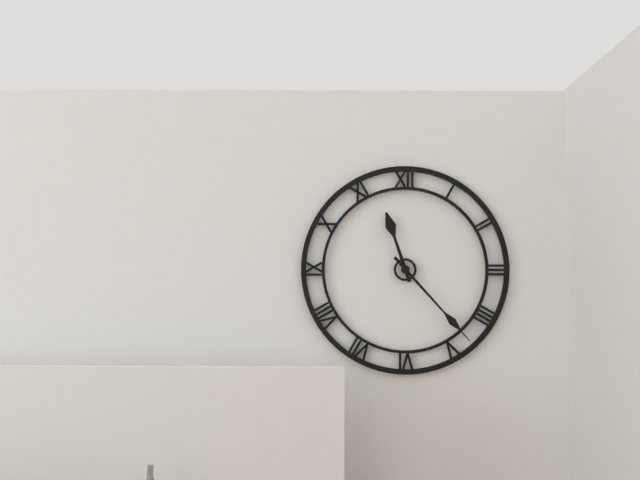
11:23
